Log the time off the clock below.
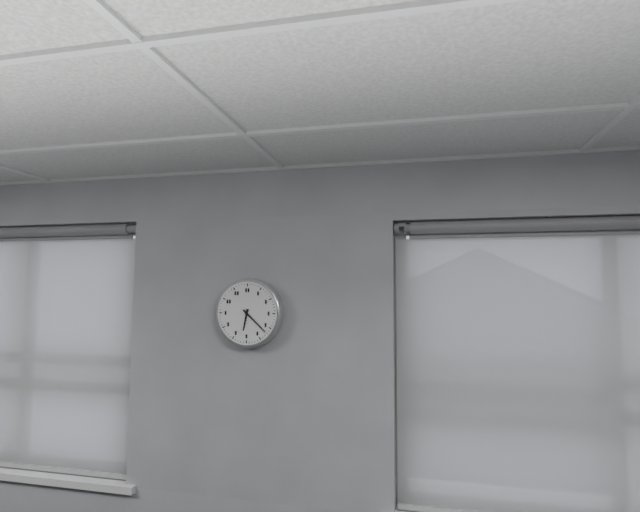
6:22
